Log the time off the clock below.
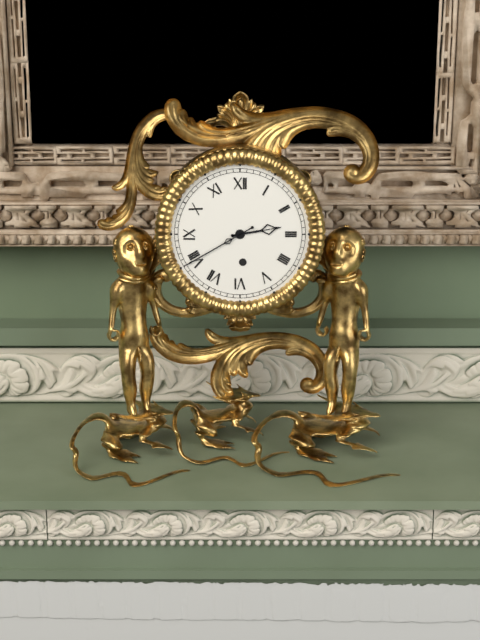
2:40
